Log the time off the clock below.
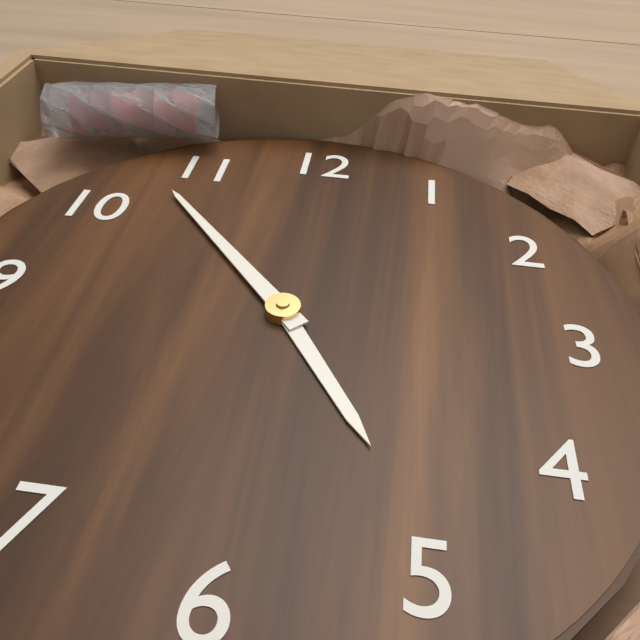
4:53
